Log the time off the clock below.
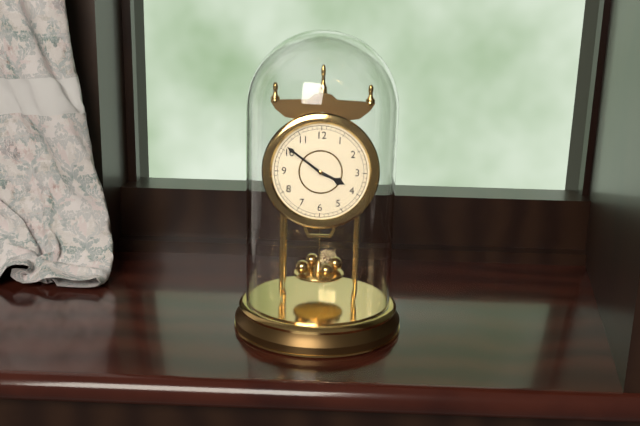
3:51
